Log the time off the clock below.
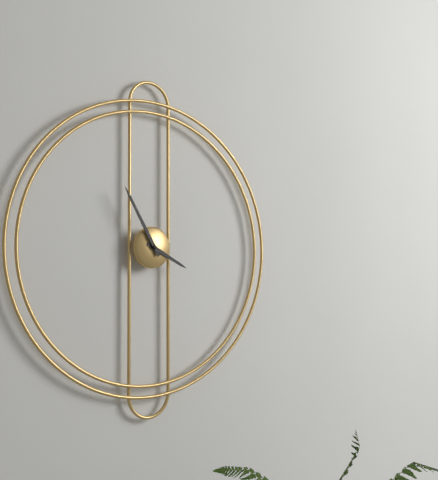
3:55
